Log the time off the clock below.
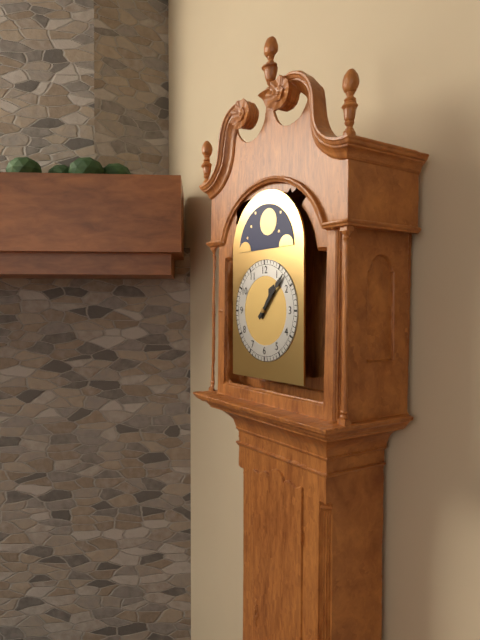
1:07
